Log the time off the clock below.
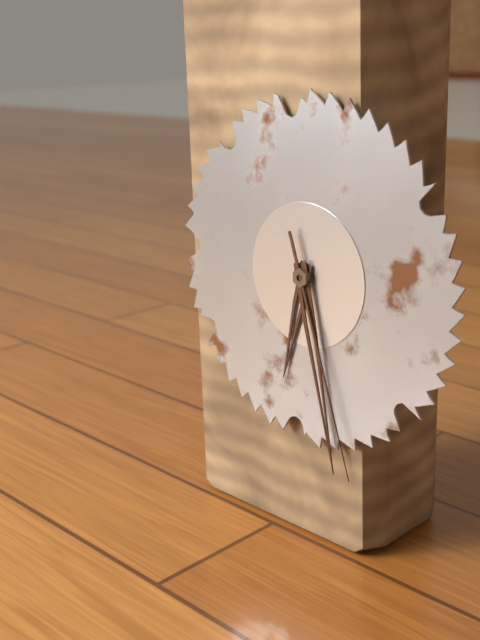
6:28:27
